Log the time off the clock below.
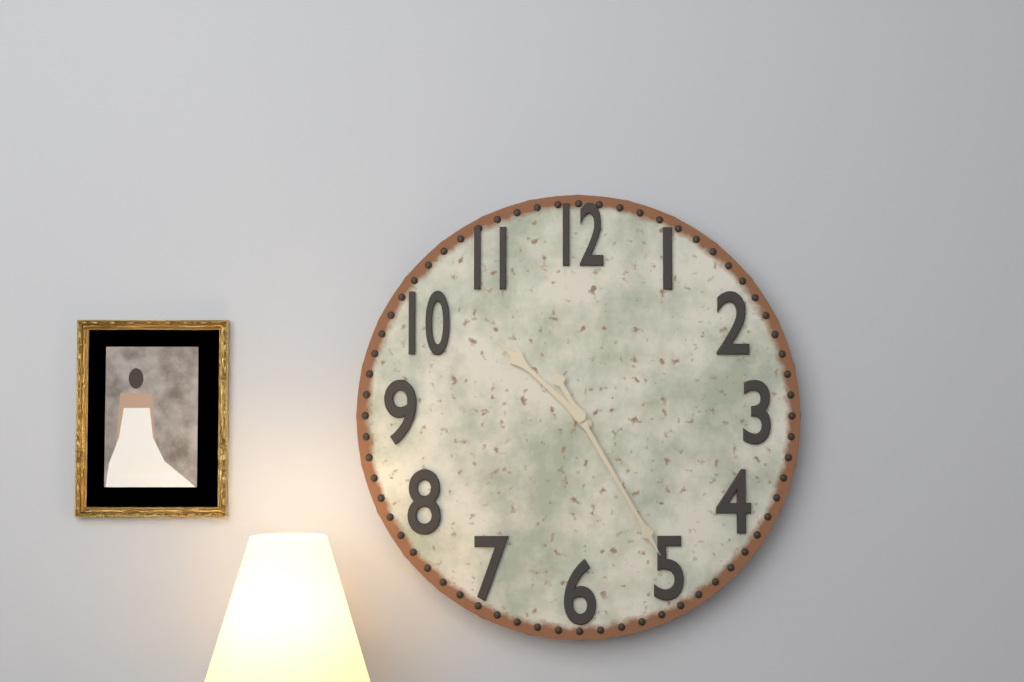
10:25
